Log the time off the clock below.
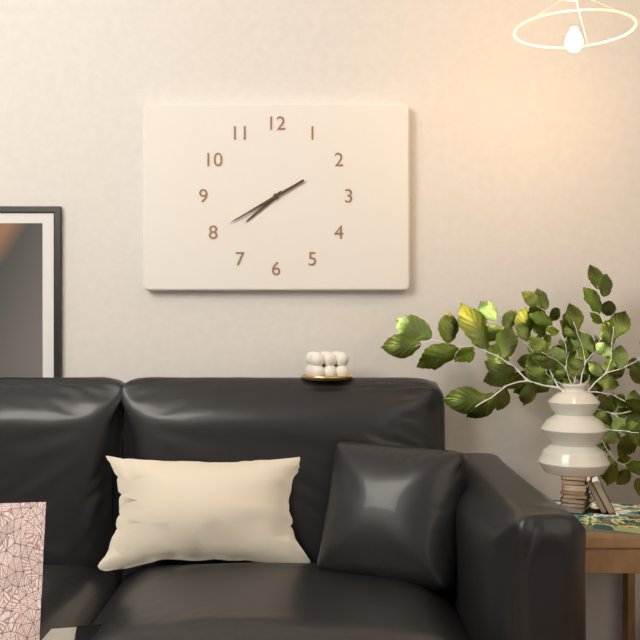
7:40
